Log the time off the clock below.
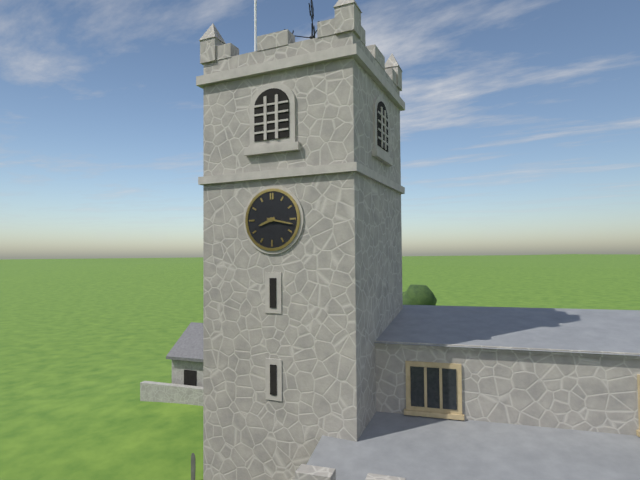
8:17
